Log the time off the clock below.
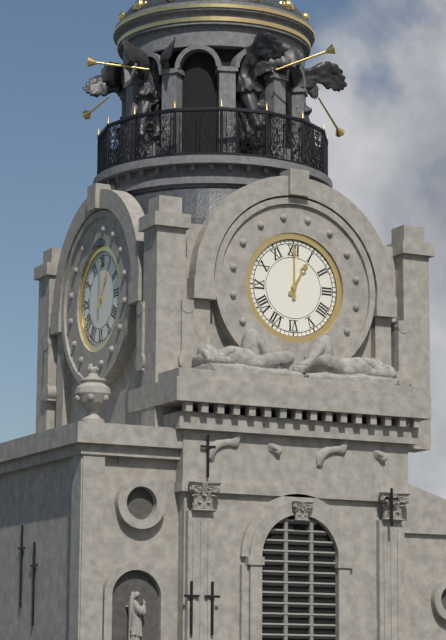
1:00
